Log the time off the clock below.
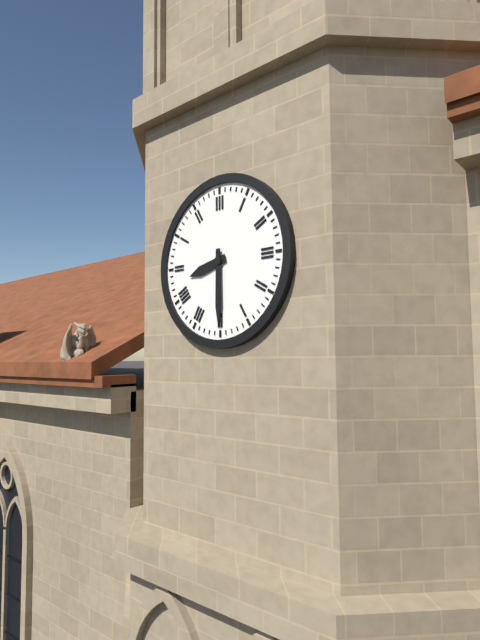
8:30
